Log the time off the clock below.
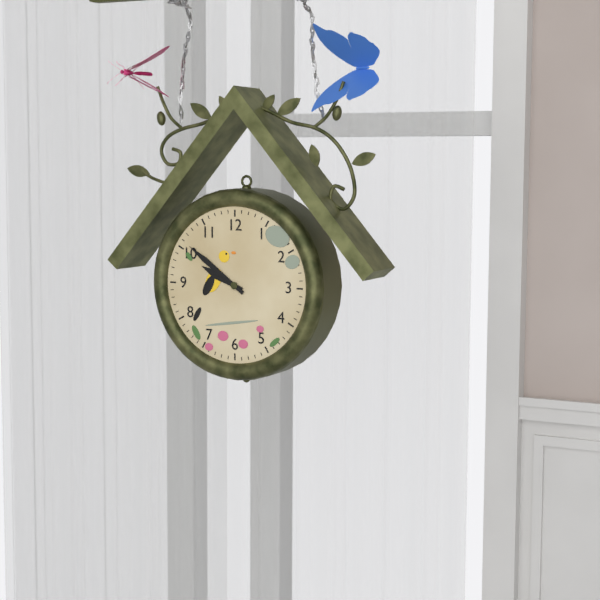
9:51
